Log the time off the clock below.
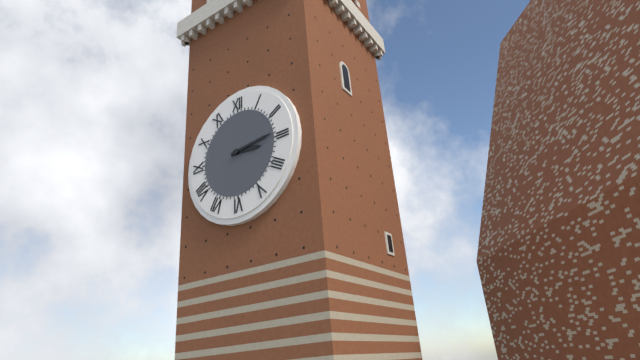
3:14
